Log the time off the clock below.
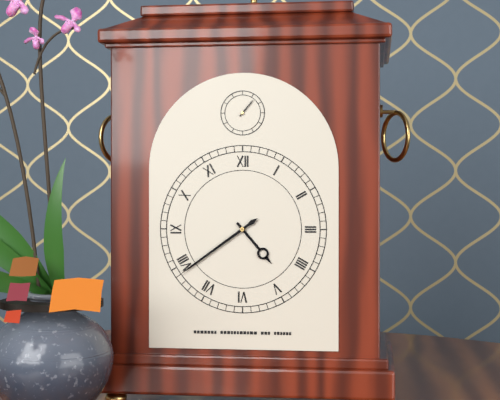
4:39
